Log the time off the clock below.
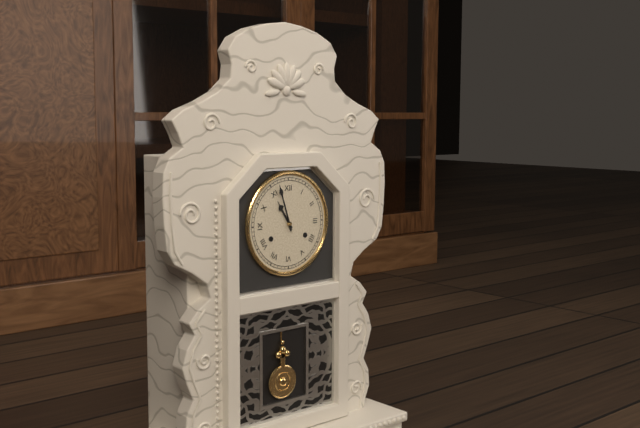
10:57
